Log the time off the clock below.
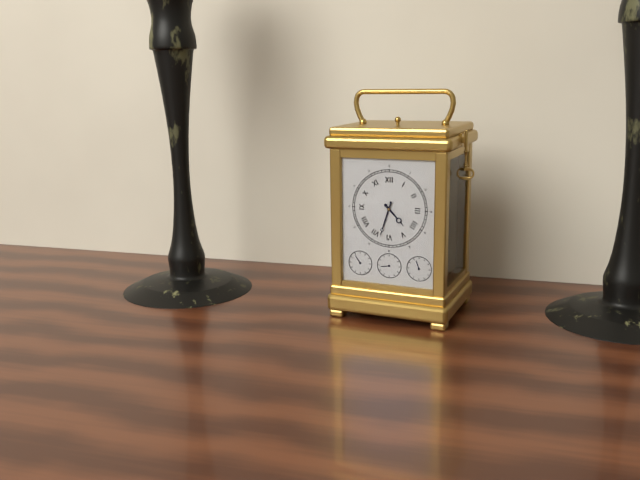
4:33
